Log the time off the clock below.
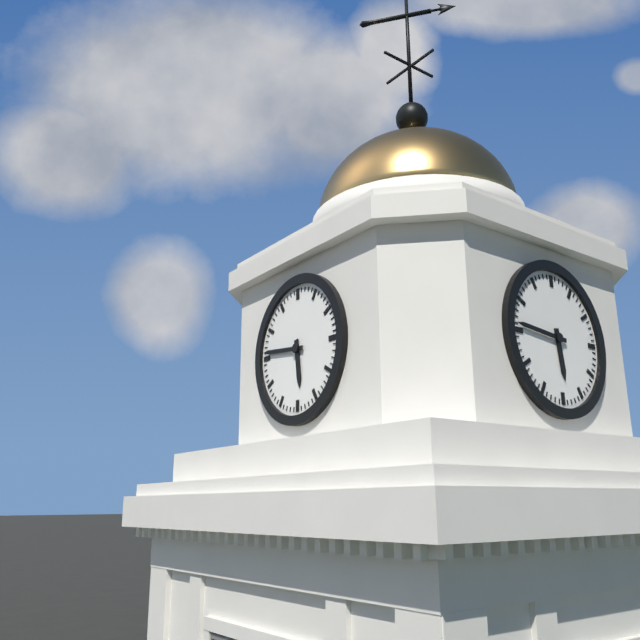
5:46
